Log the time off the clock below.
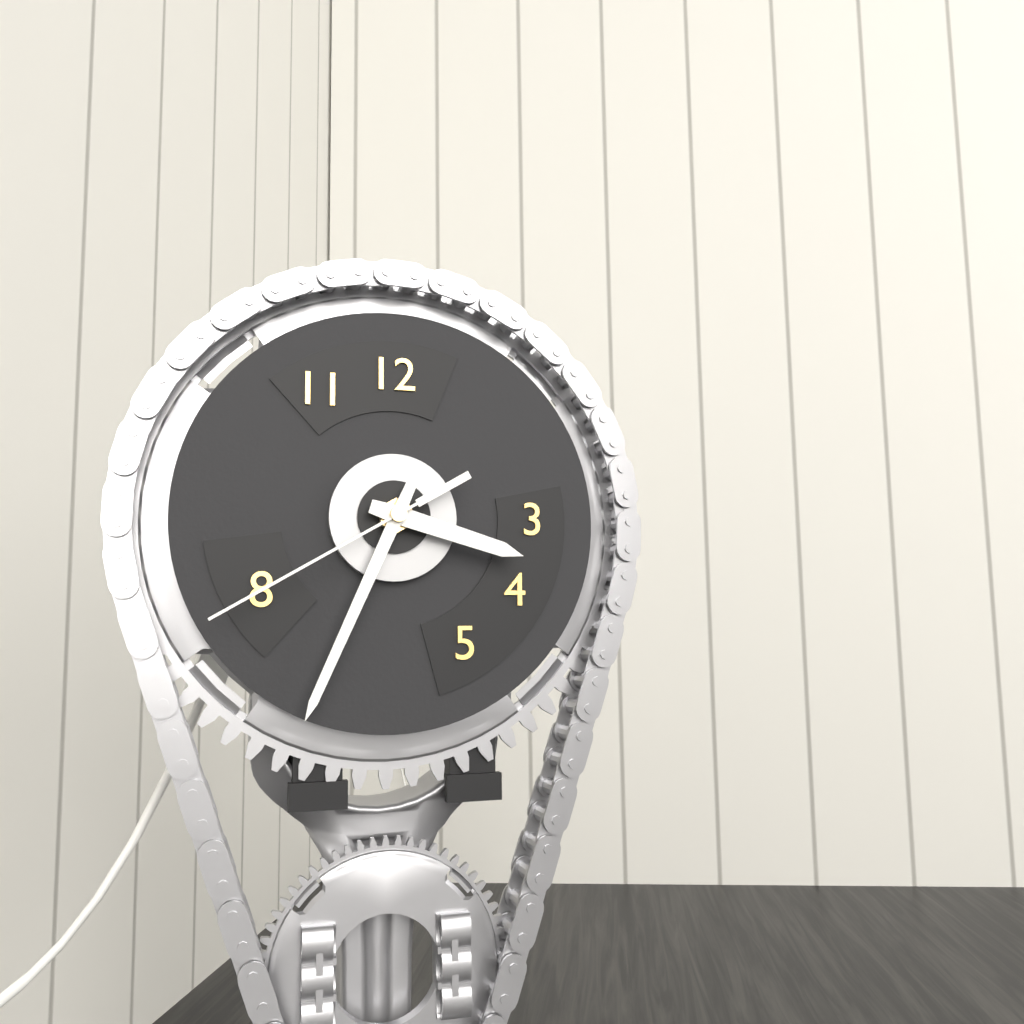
3:34:40
